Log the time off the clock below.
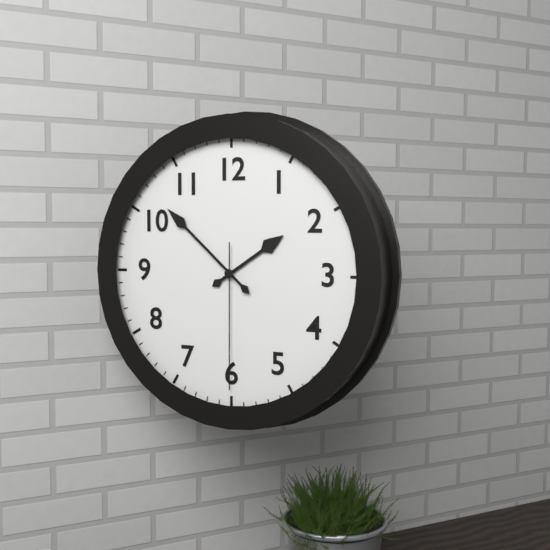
1:52:30
